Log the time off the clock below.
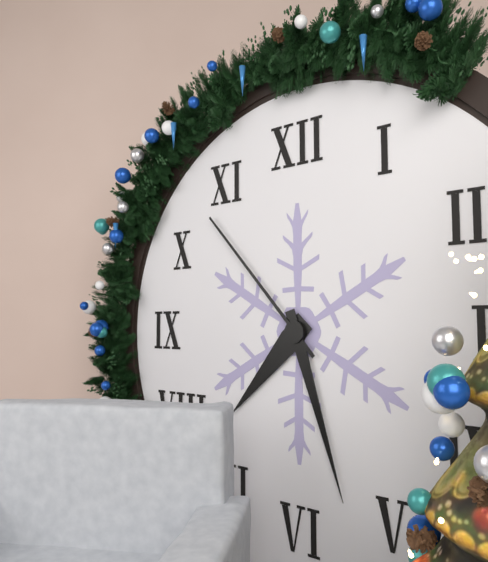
7:27:53
